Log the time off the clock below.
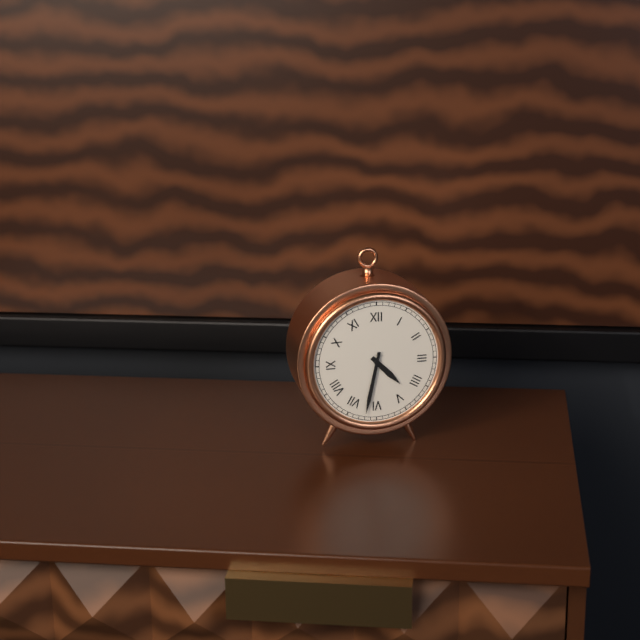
4:32
